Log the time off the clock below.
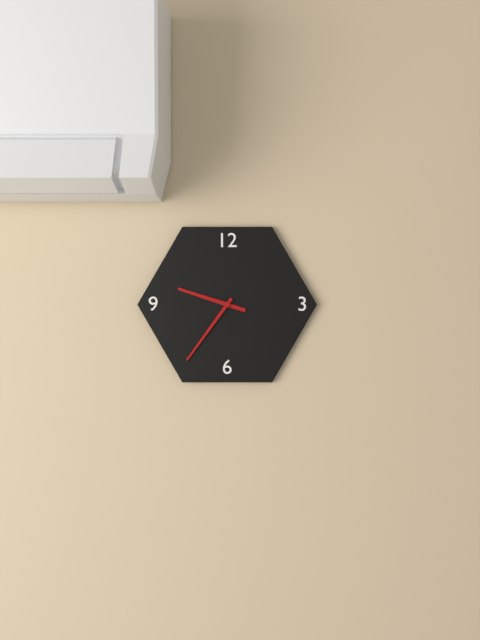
9:36
